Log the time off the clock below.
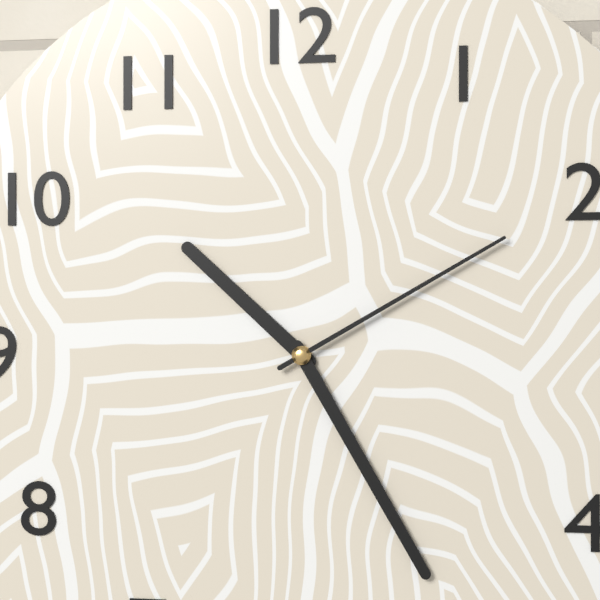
10:25:10
